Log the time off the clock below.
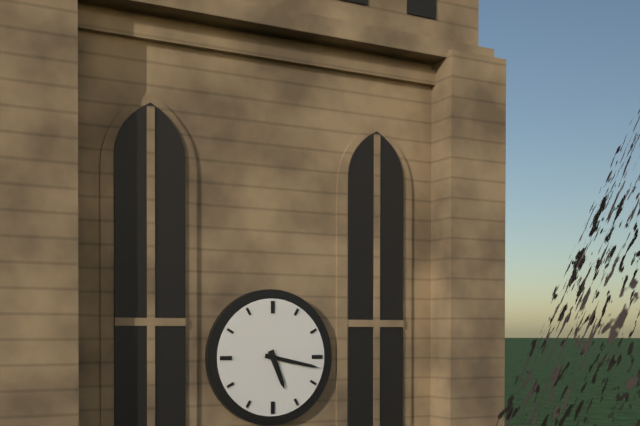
5:17
